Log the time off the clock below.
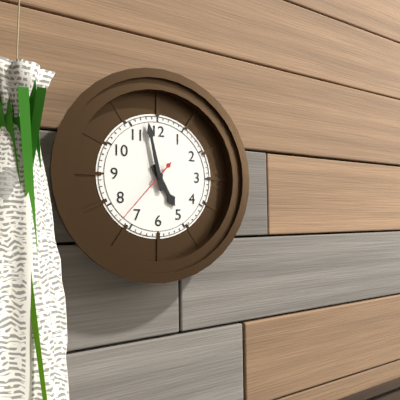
4:58:37
